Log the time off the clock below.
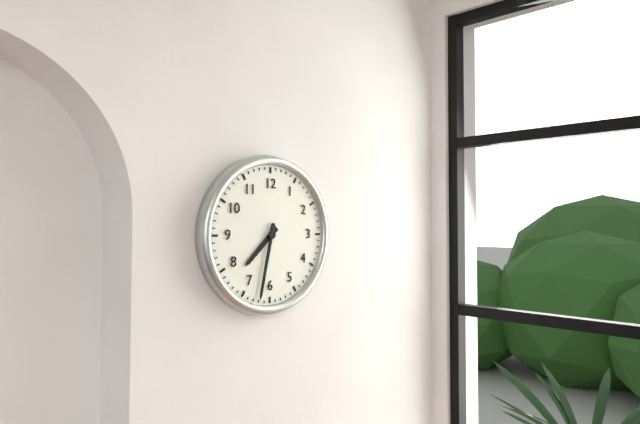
7:32
